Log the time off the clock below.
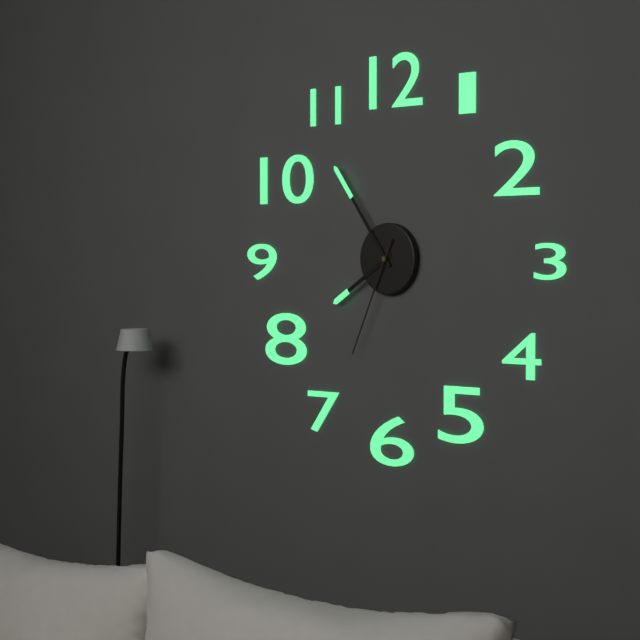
7:54:34
